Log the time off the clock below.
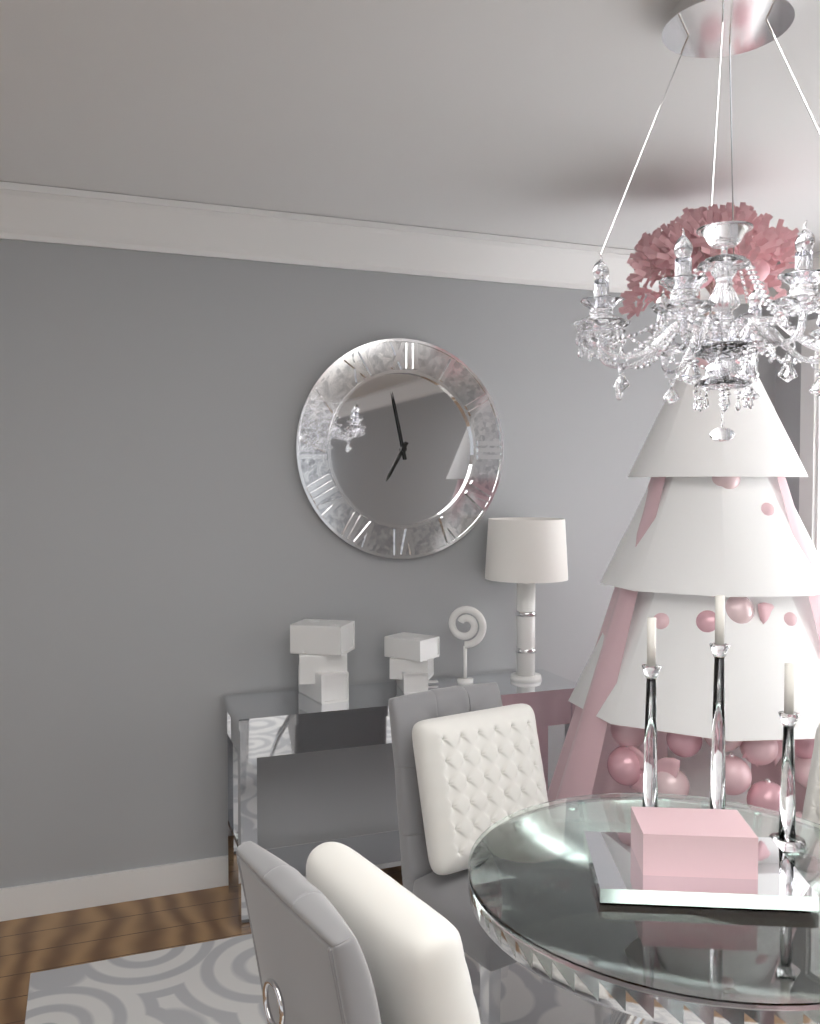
6:58
